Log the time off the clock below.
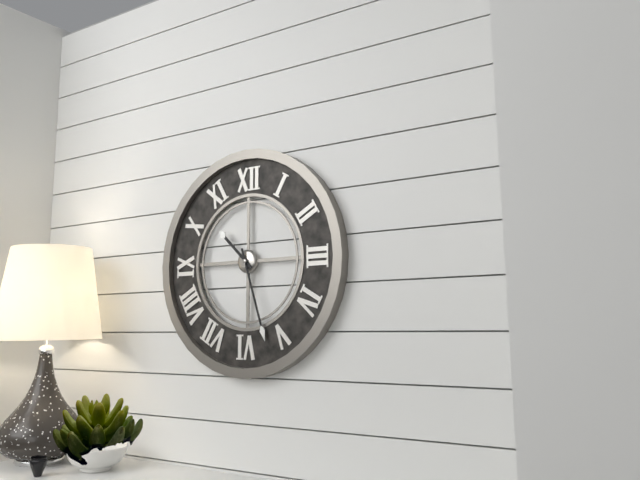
10:27
